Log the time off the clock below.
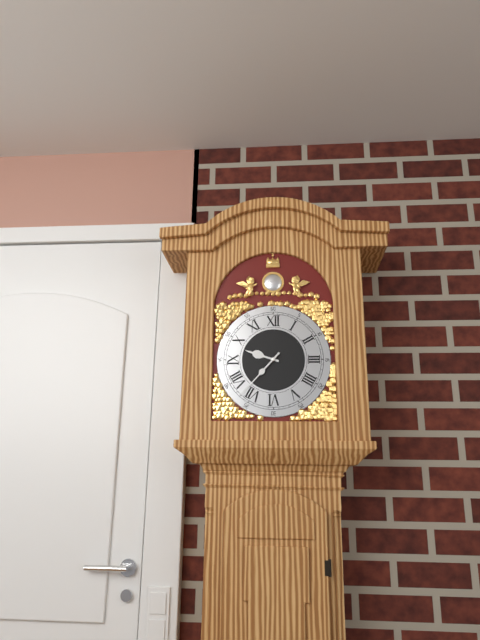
9:37
